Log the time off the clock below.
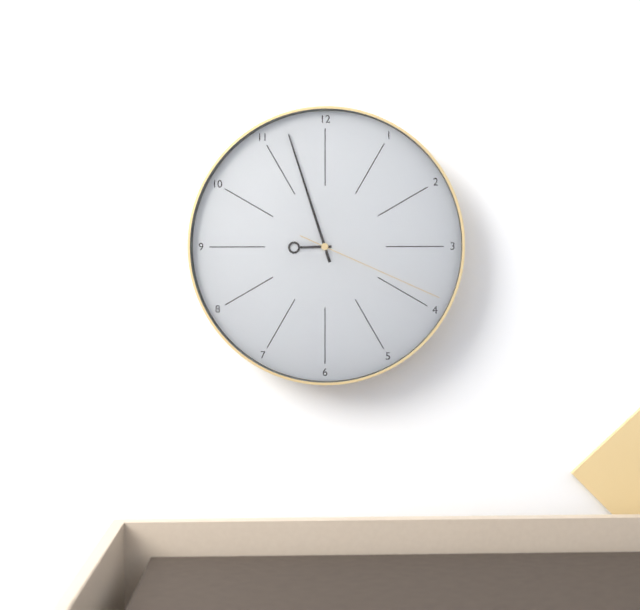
8:57:19
